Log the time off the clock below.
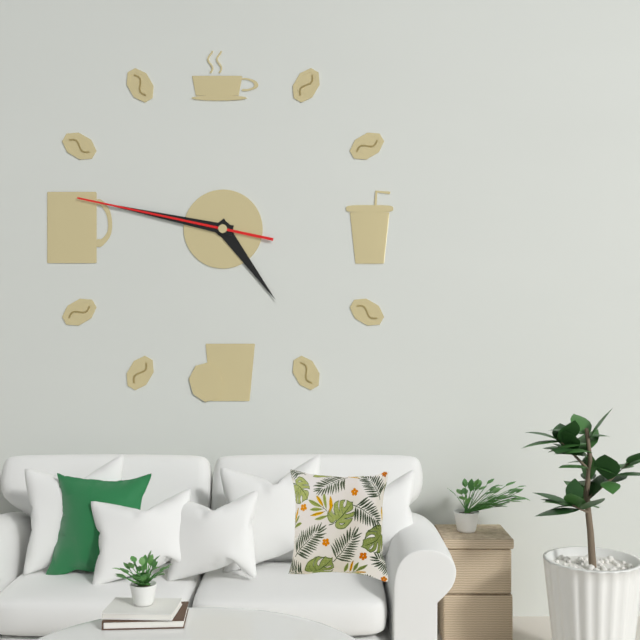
4:47:47
